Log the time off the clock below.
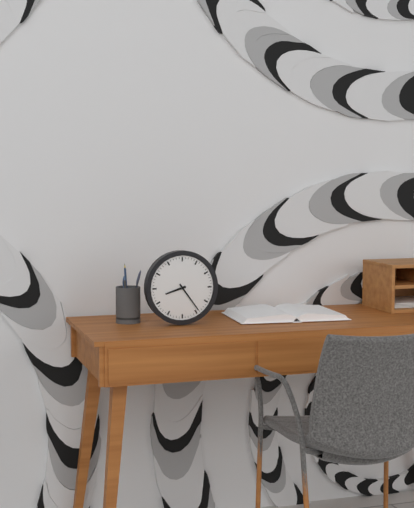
8:24
